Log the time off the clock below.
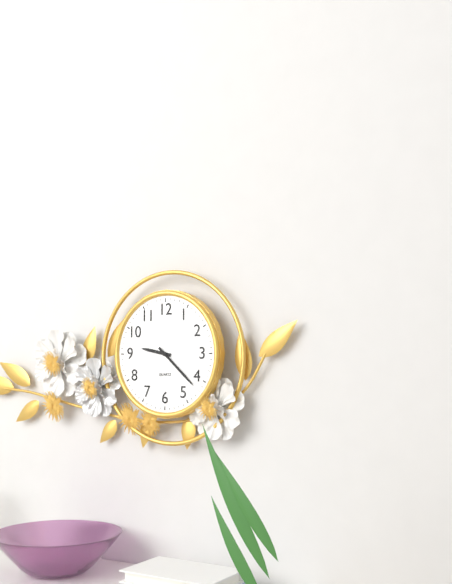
9:22
